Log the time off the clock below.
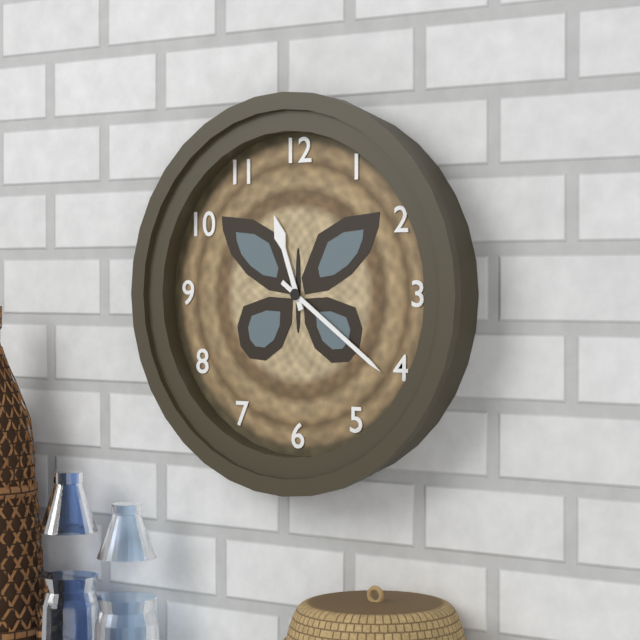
11:21
